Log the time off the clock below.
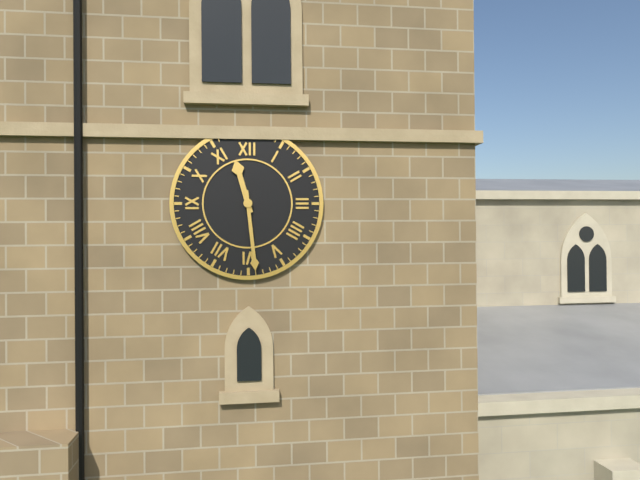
11:29
